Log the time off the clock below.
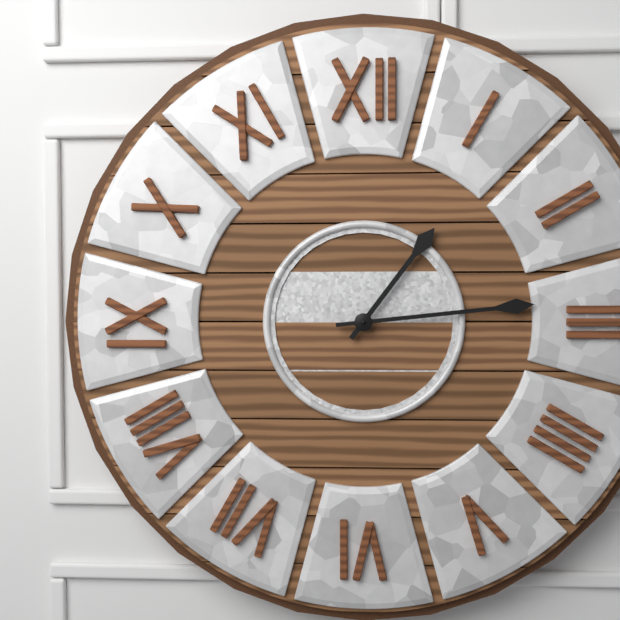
1:14
